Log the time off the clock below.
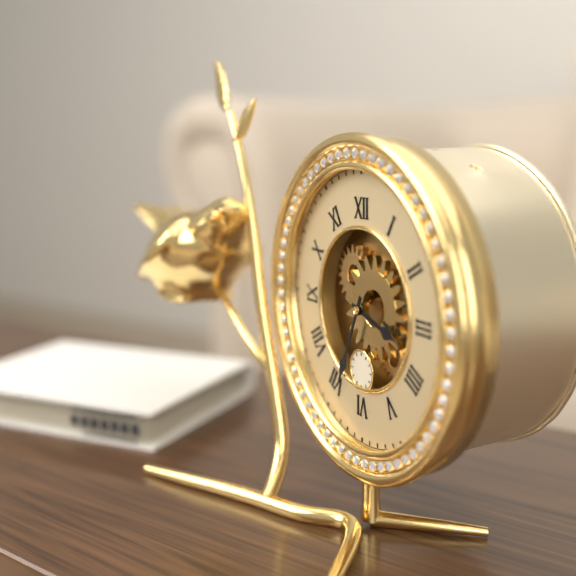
3:34
